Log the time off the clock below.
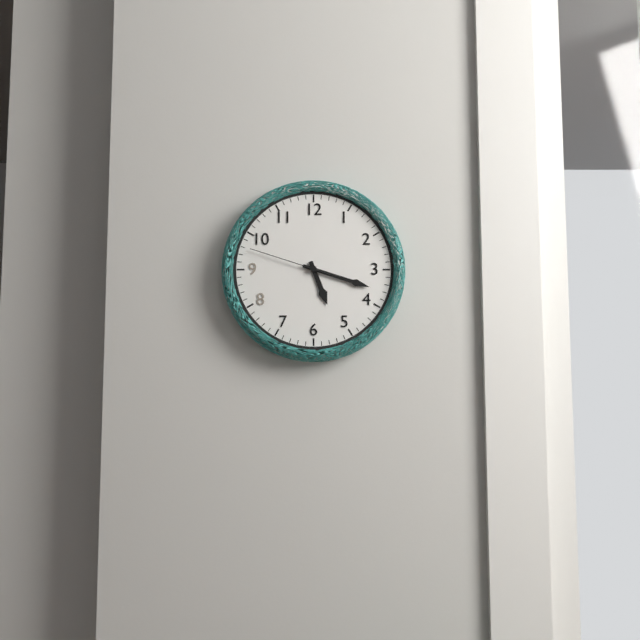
5:18:48
